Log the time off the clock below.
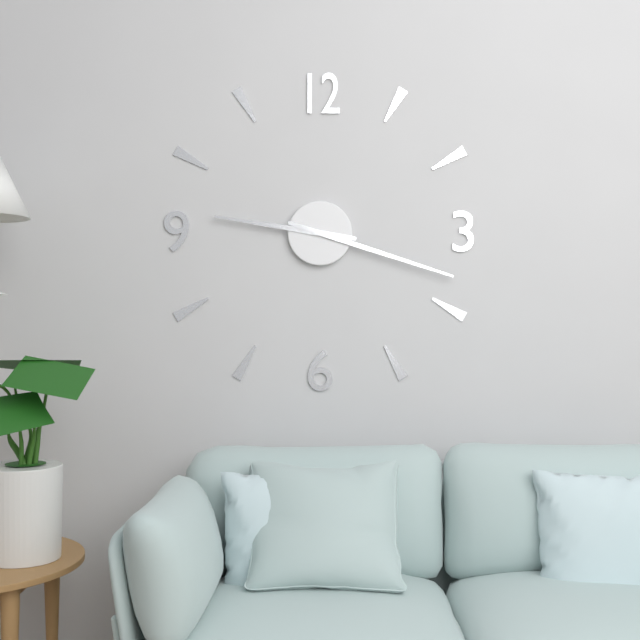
9:18
